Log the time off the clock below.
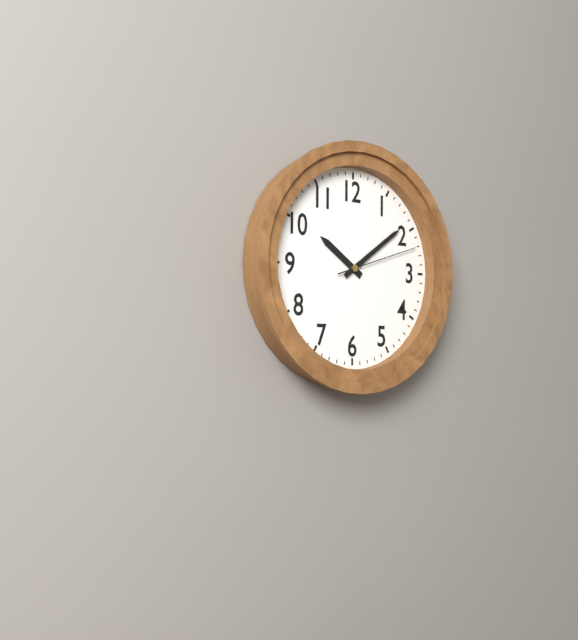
10:09:12
